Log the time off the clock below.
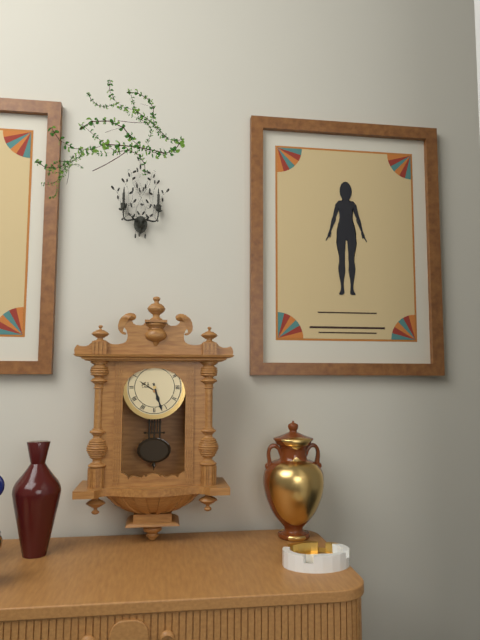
5:27
